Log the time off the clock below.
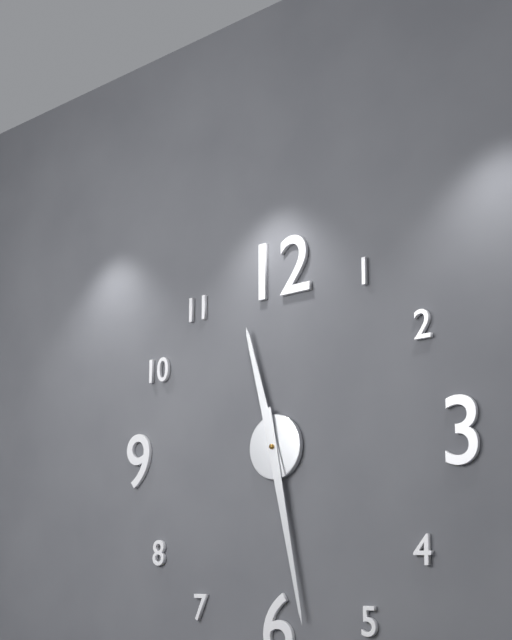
11:28
